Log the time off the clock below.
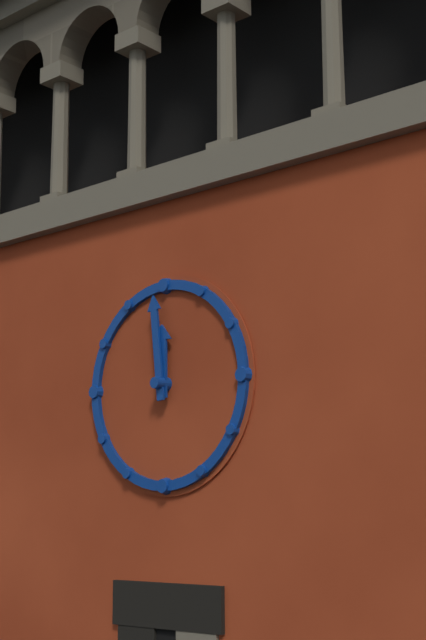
11:59
